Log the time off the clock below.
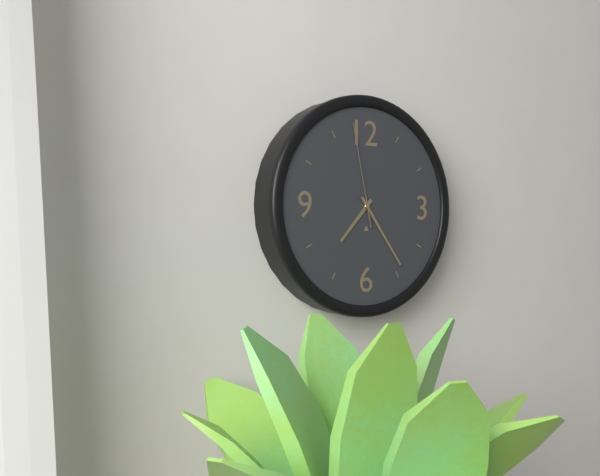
7:24:58
